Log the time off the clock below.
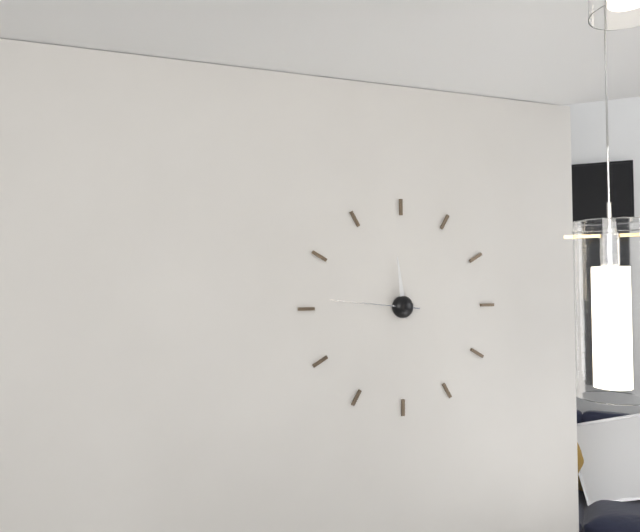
11:46
